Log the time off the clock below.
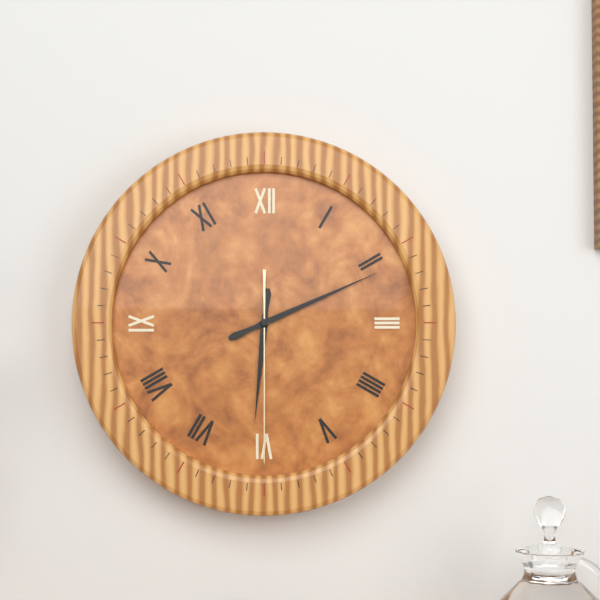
6:11:30
